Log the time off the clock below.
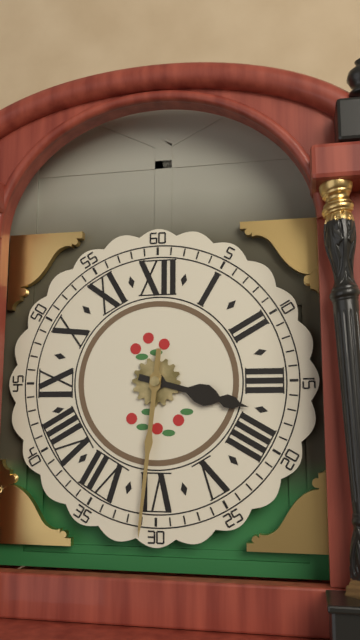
3:31
